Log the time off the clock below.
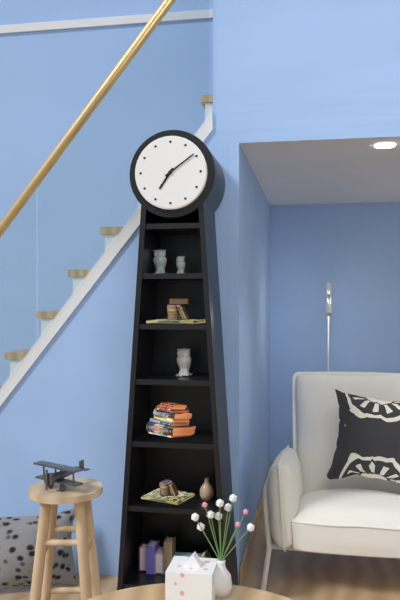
7:09
